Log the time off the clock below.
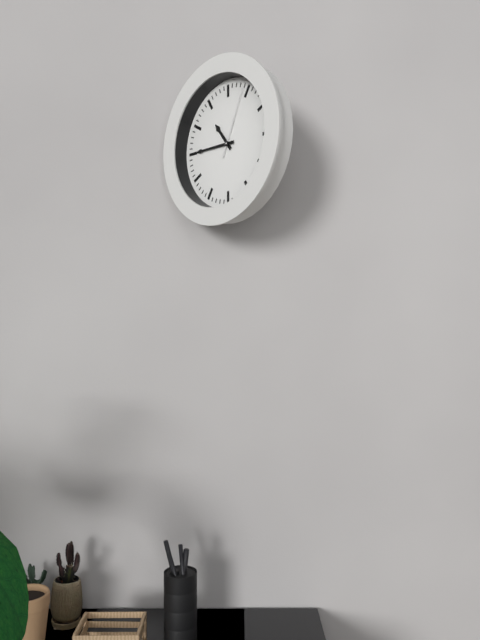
10:45:04
